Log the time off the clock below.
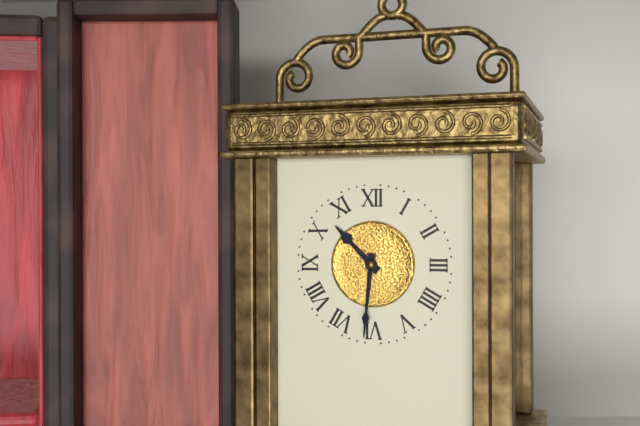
10:31
